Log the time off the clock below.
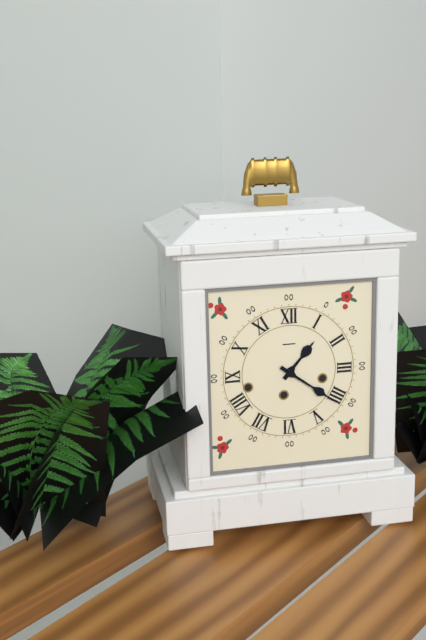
1:21
